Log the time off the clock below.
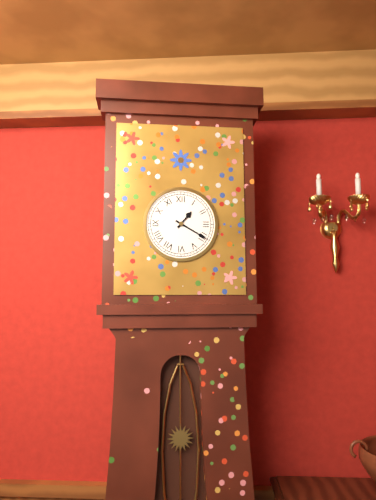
1:20
